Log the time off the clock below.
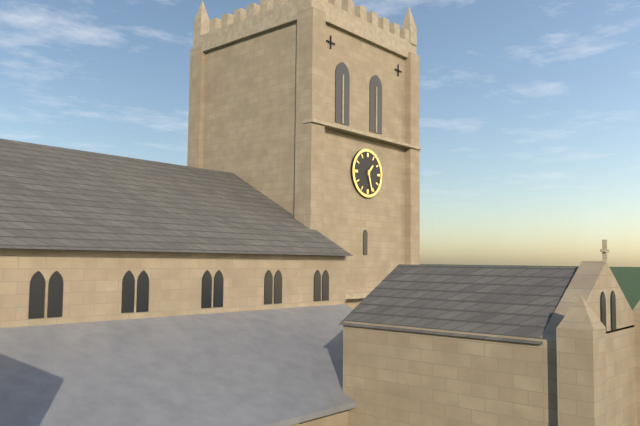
1:27
